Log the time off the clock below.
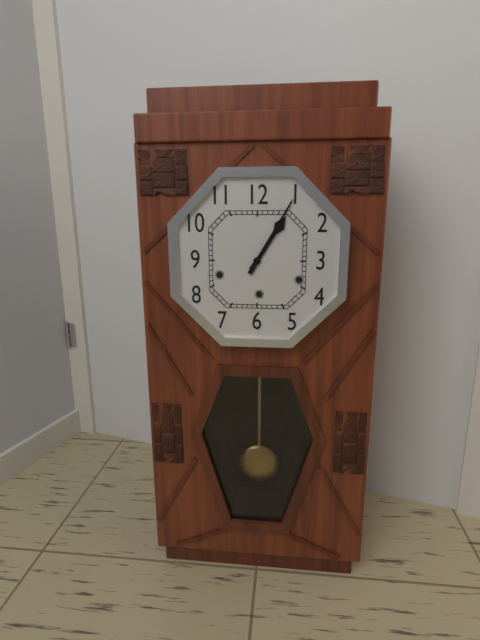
1:05
